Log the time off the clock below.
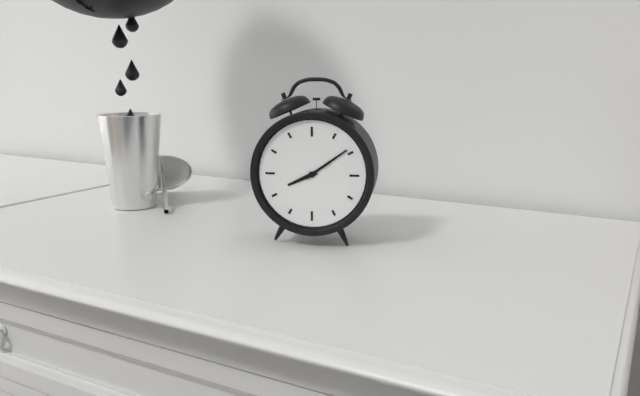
8:09
